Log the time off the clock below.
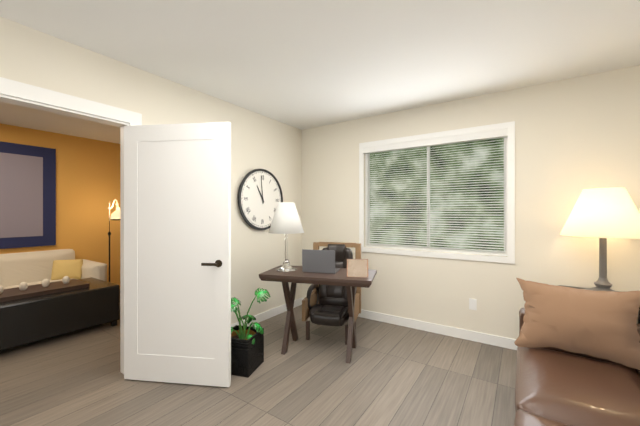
10:59
